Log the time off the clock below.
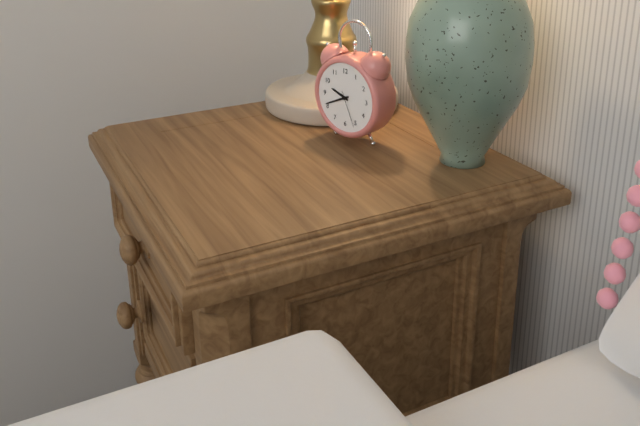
9:41
